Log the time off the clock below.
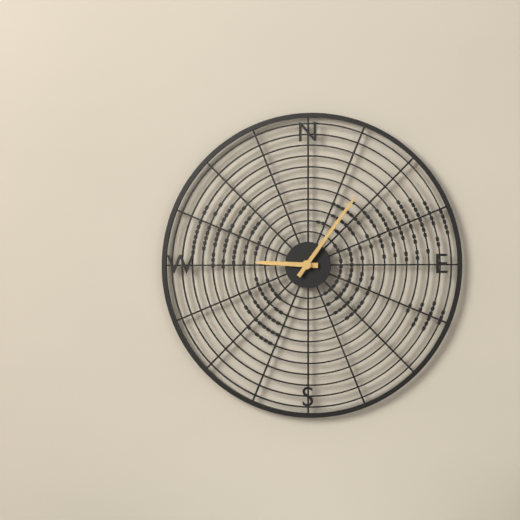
9:06
